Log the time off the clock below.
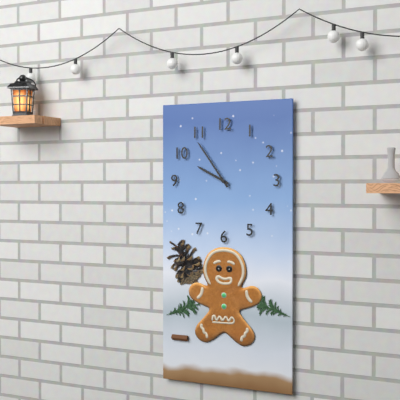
9:54
